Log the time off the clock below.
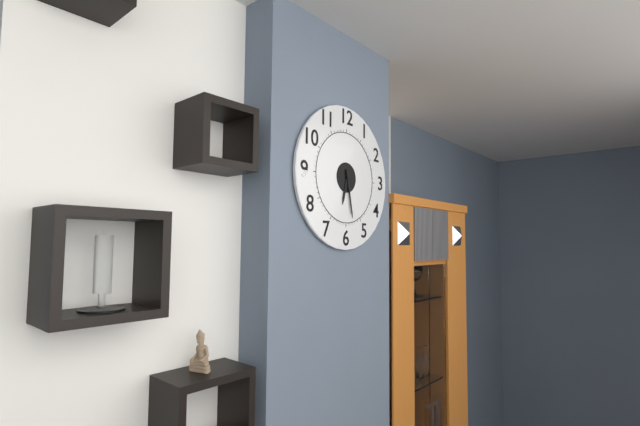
6:28
